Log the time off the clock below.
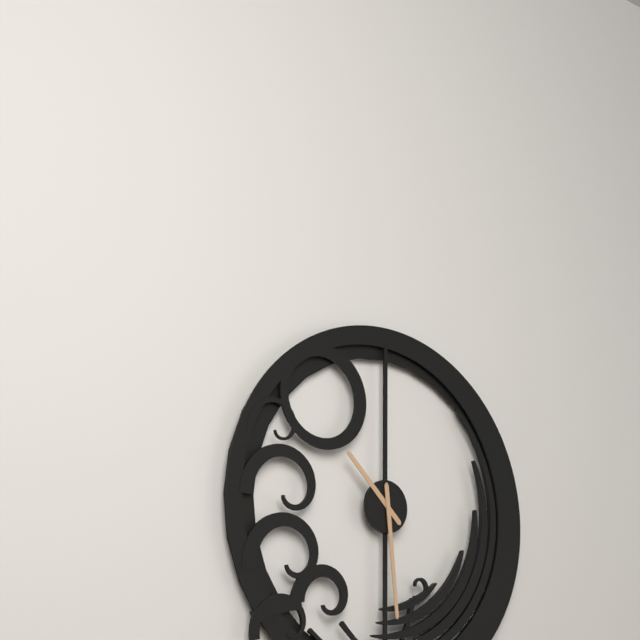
10:29
